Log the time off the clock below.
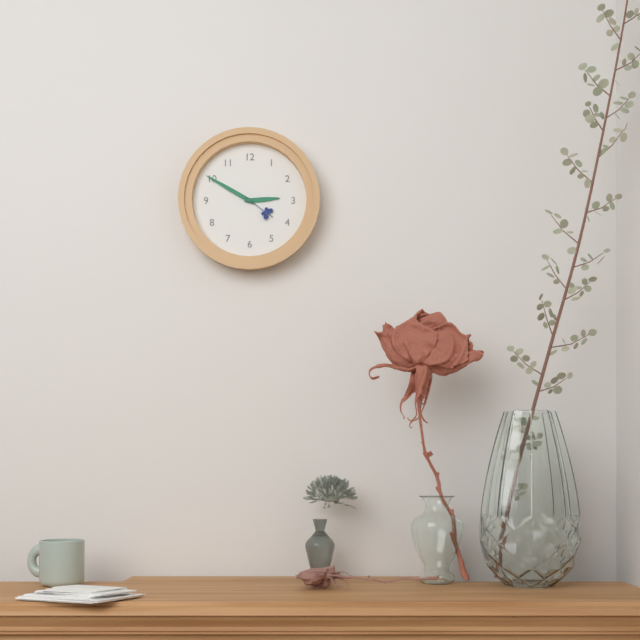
2:50
